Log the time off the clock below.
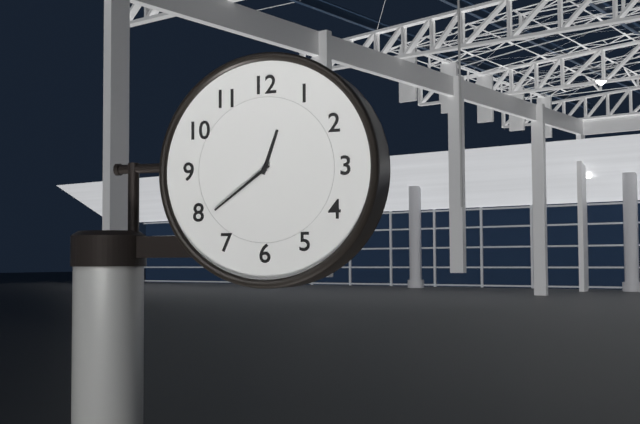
12:39
